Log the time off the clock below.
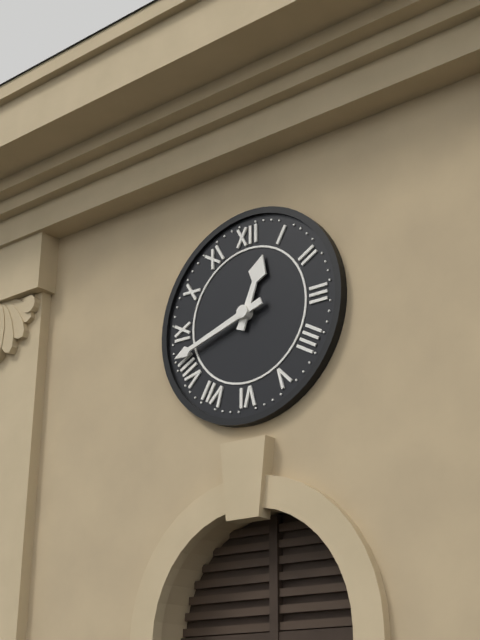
12:42
